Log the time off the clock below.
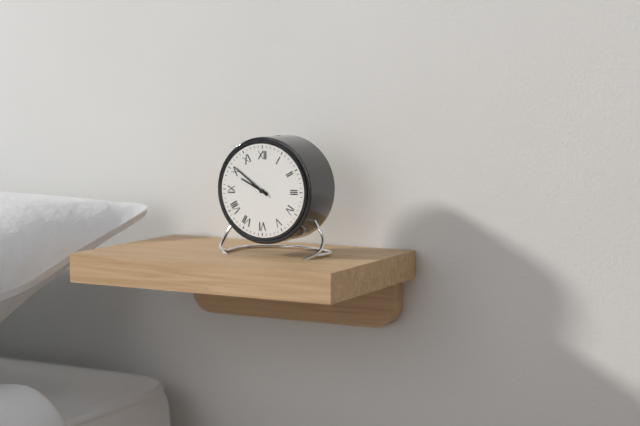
9:51
